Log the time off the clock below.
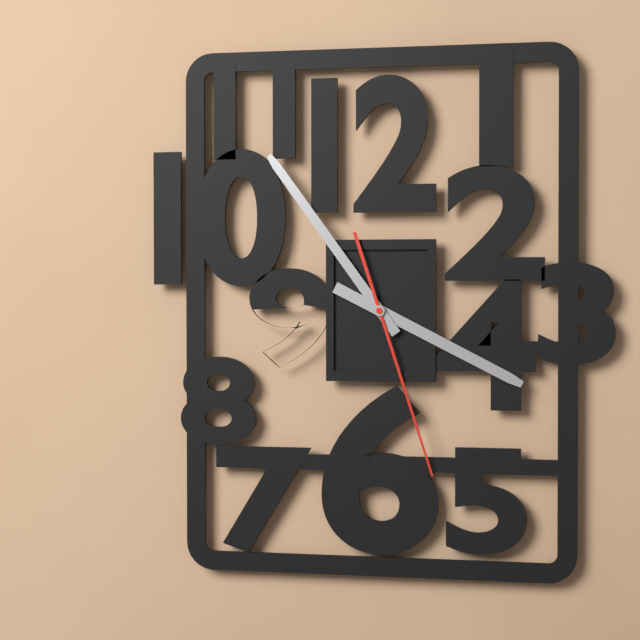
3:54:27
